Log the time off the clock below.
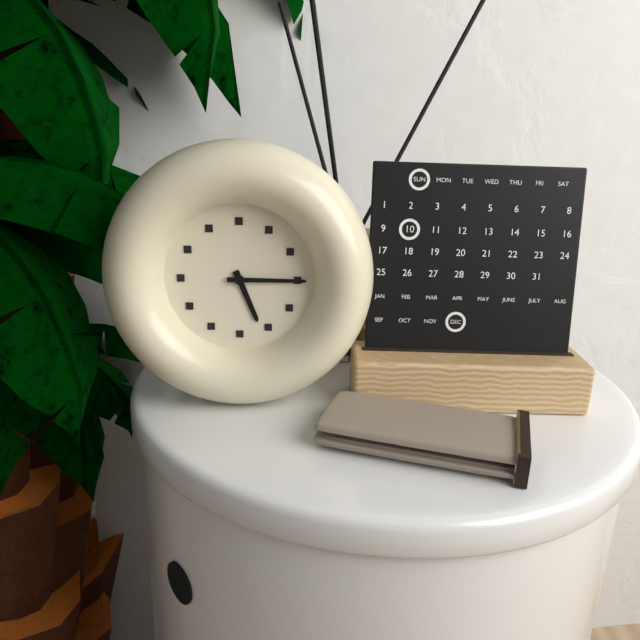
5:15
